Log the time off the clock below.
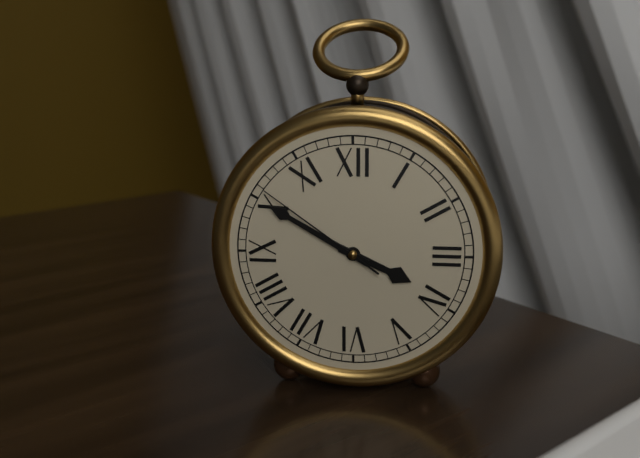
3:50:51
